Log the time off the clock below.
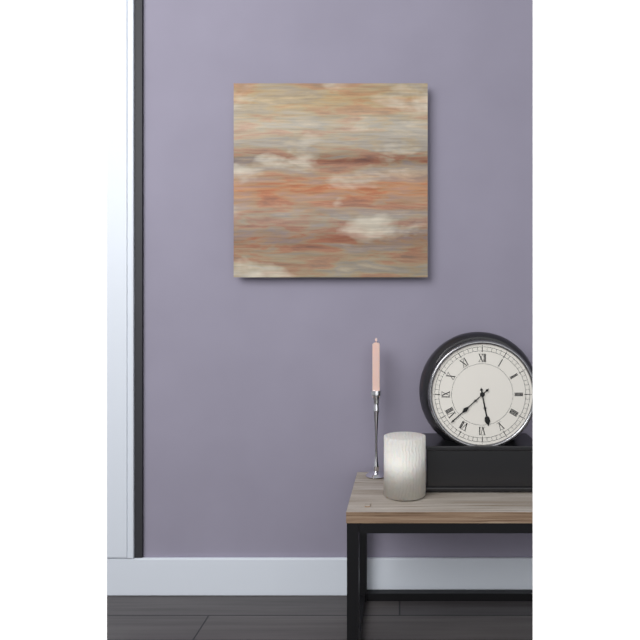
5:38
